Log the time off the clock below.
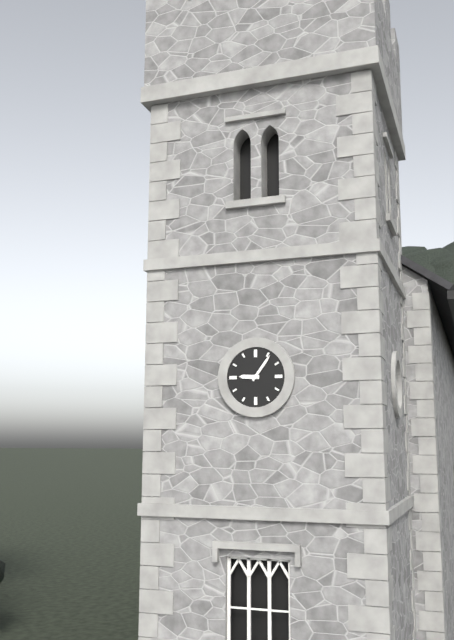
9:06
